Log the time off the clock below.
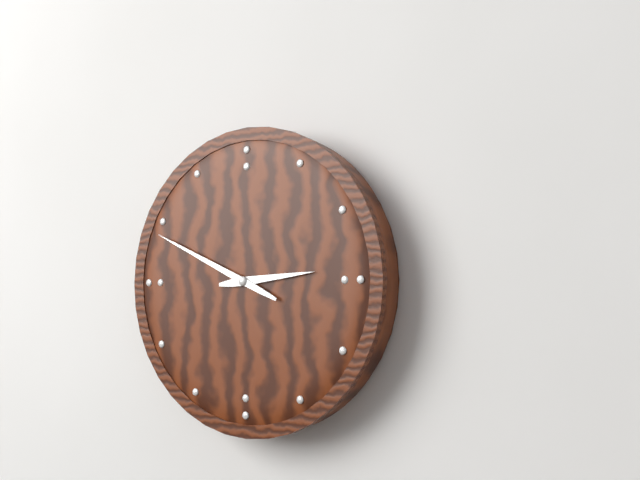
2:49
